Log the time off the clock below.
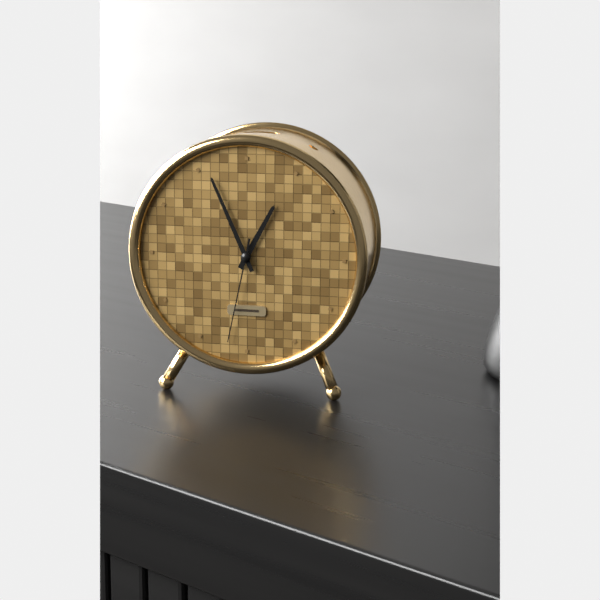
12:56:32
